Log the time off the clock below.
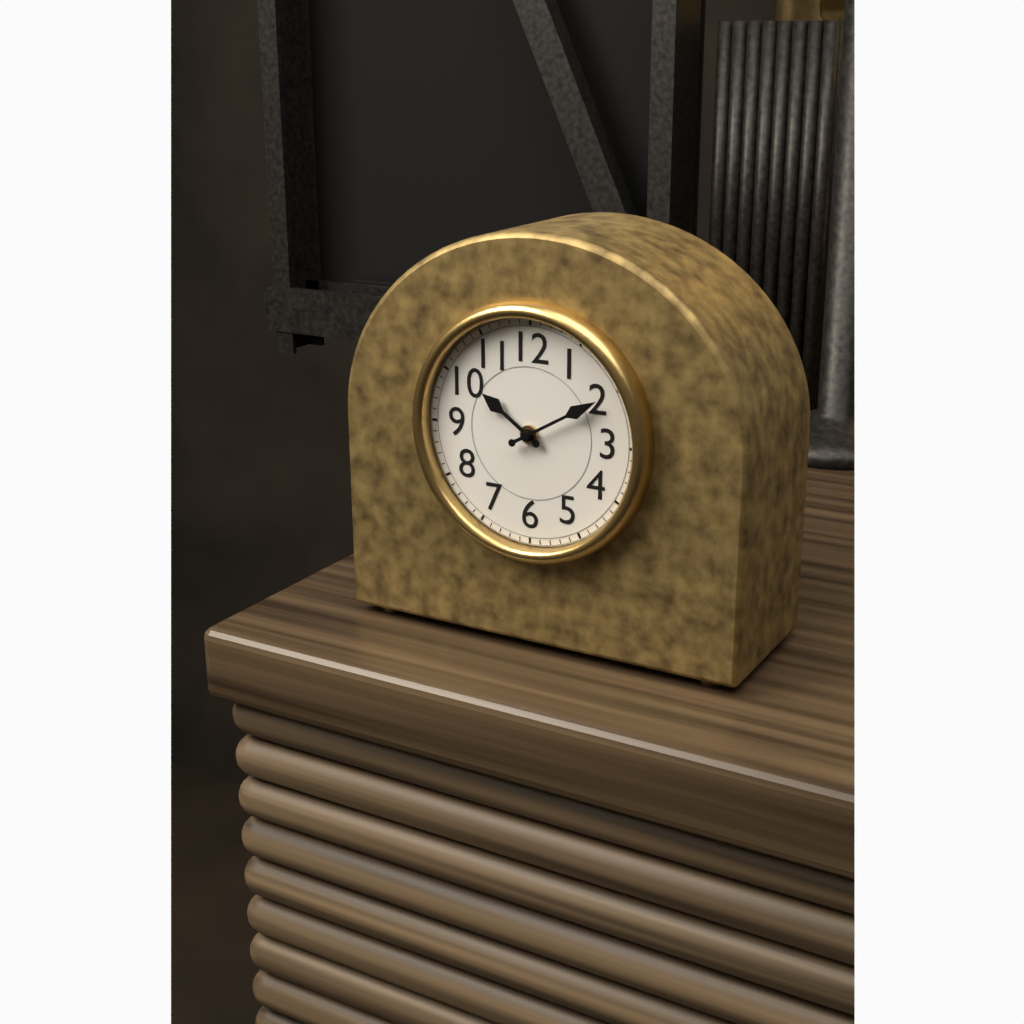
10:10
